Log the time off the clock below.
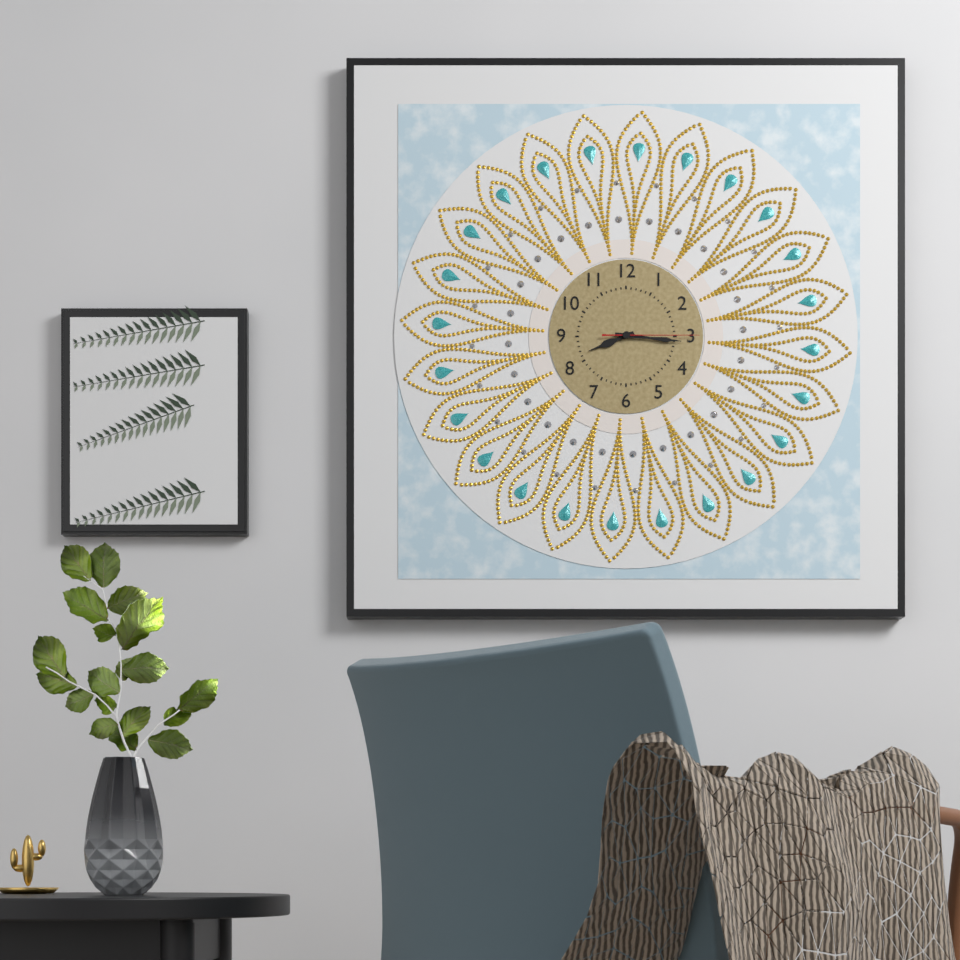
8:16:15
